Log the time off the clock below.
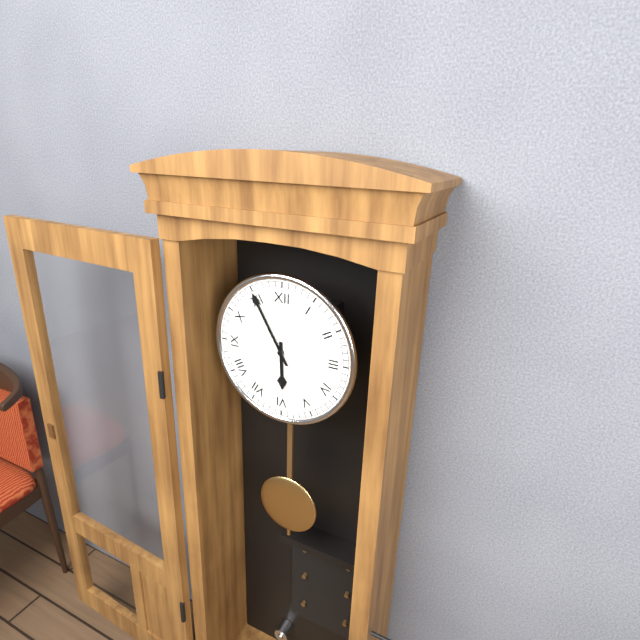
5:55
